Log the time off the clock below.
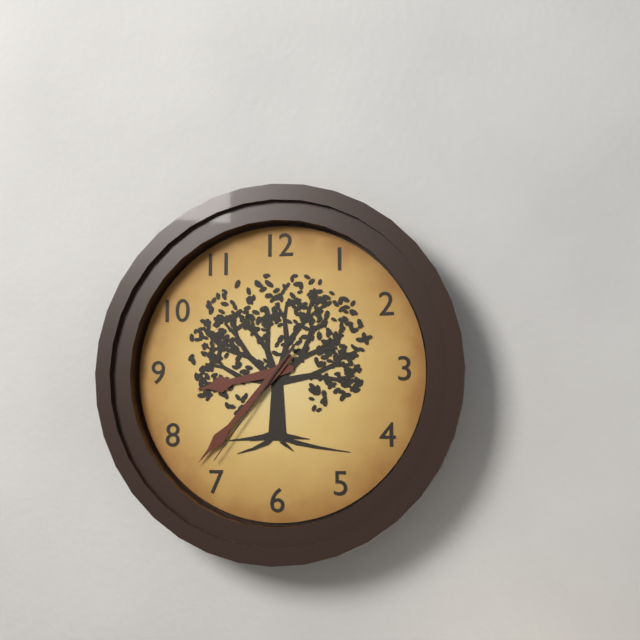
8:37:36
